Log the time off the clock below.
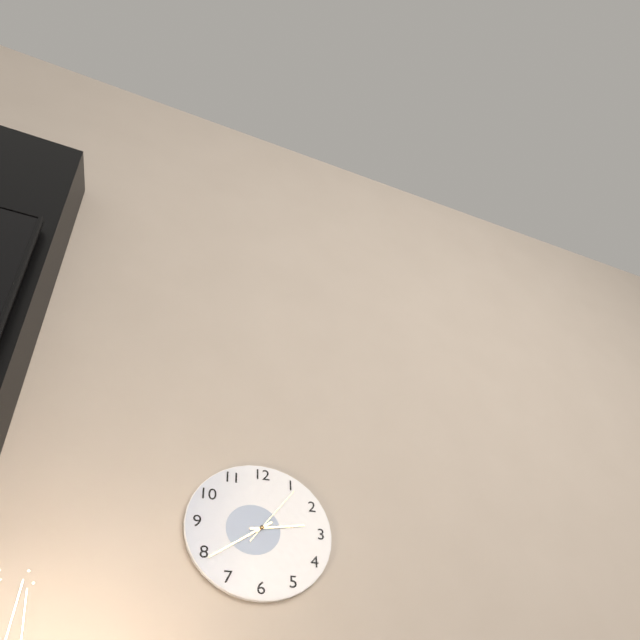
2:39:06
